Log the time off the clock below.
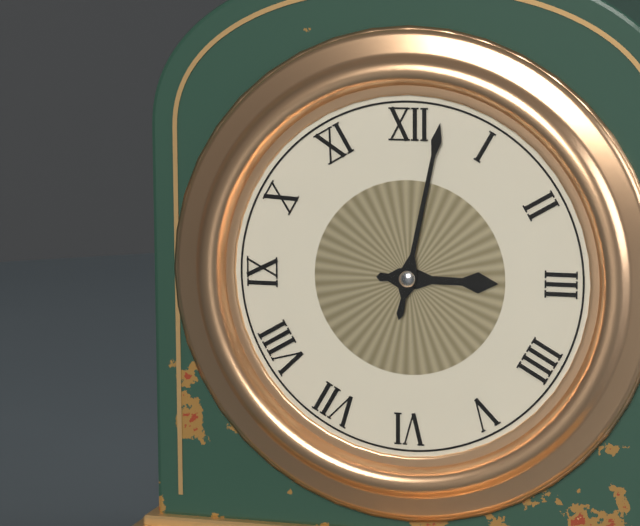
3:02
